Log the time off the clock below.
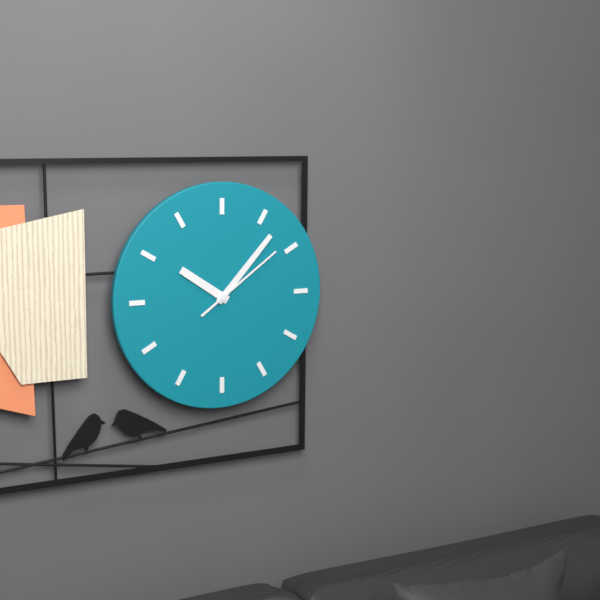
10:07:09
